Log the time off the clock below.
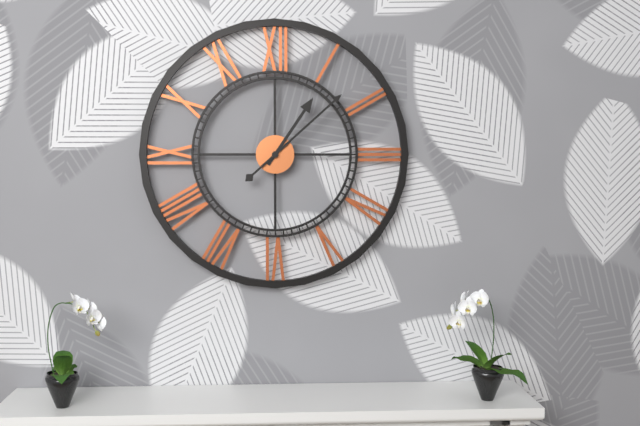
1:08
